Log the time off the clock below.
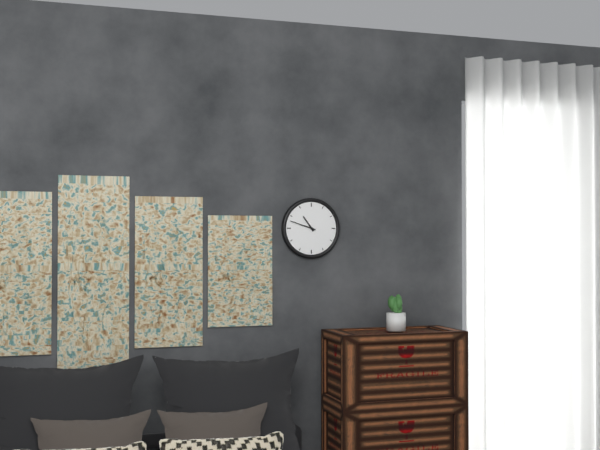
10:48
